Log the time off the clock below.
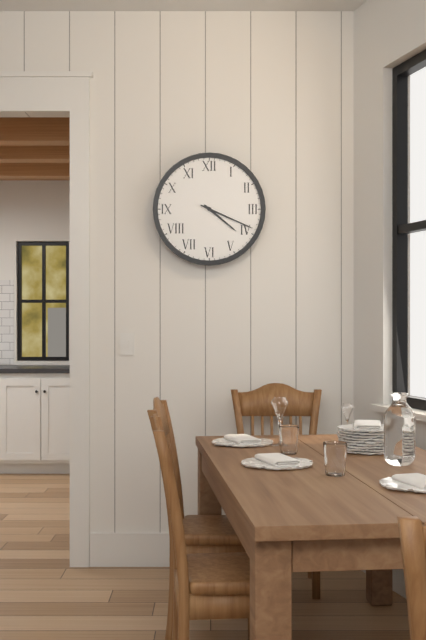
4:19
